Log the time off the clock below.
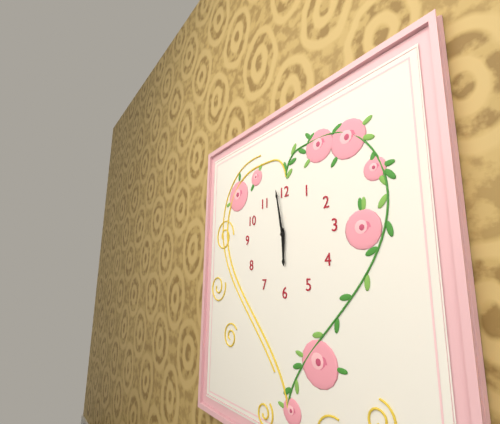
5:58
